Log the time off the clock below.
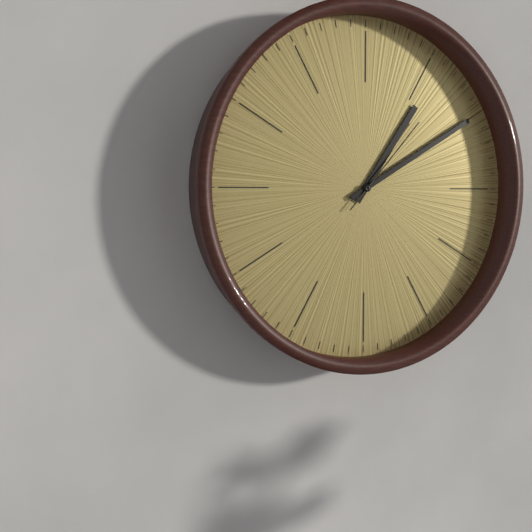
1:10:07
